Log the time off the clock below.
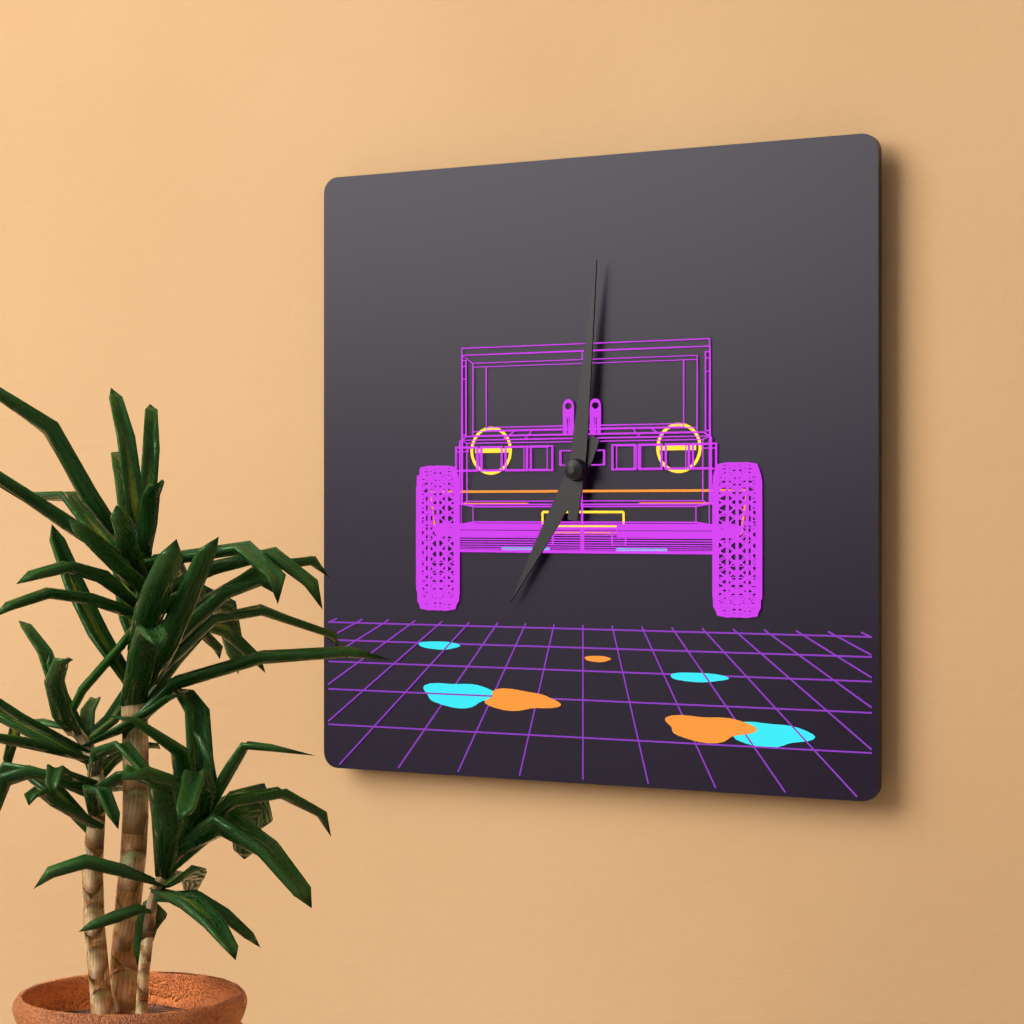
7:01
